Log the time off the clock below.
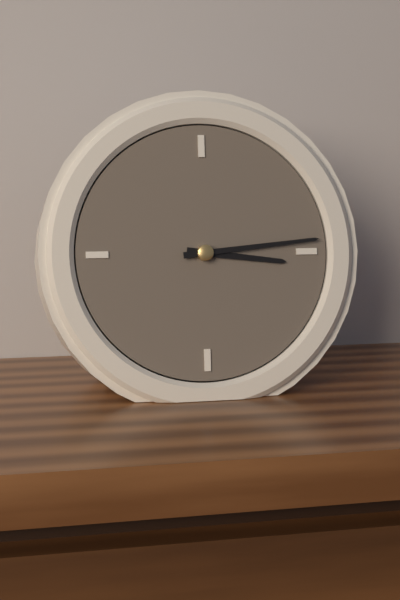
3:14
